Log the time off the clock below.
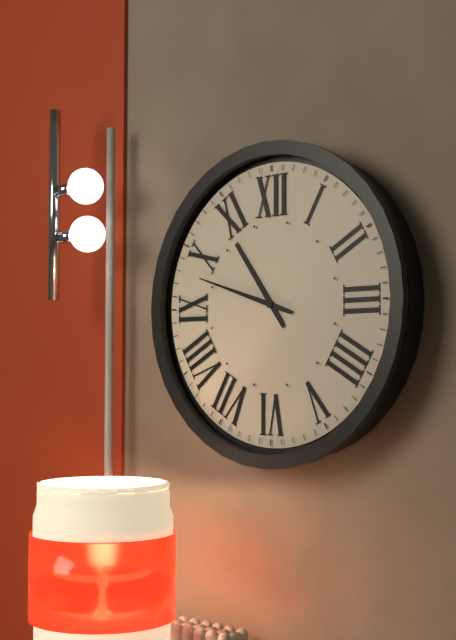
10:48
